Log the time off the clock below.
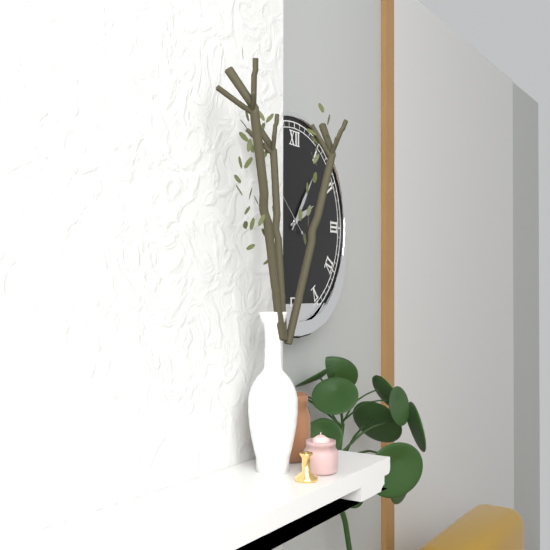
2:06
